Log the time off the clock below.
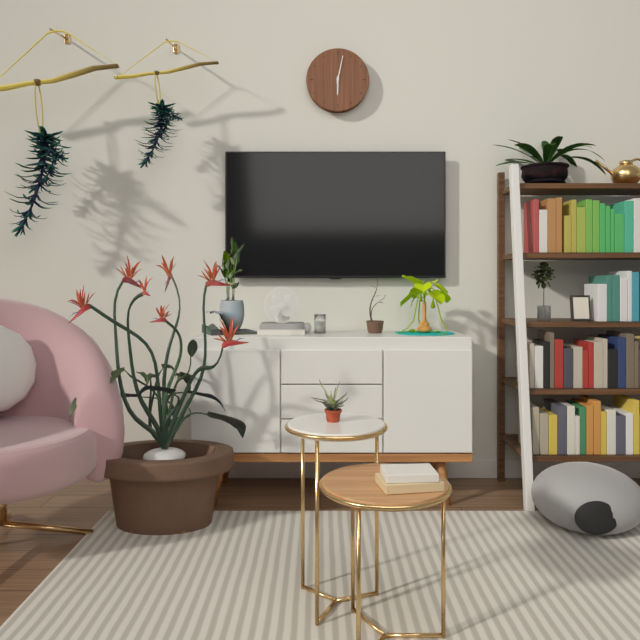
6:02
